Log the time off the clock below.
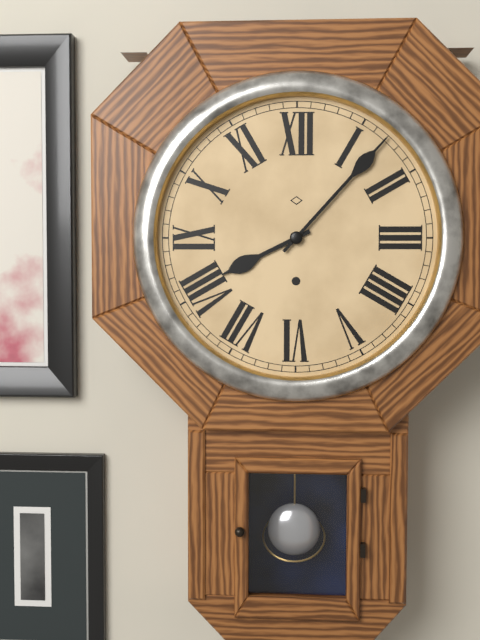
8:07
